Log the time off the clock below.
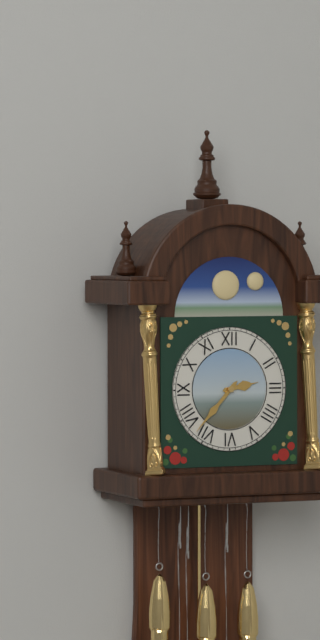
2:37
